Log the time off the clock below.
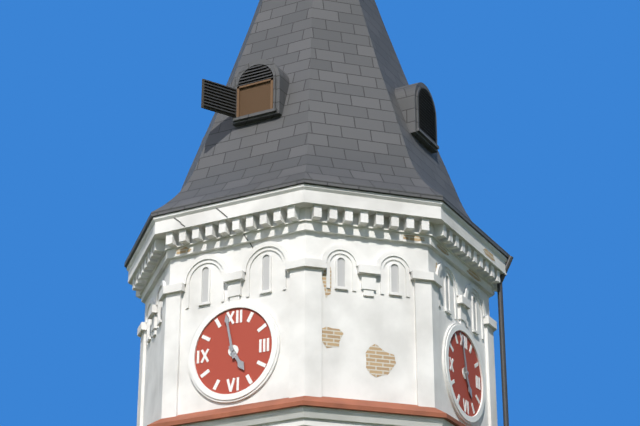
4:58
